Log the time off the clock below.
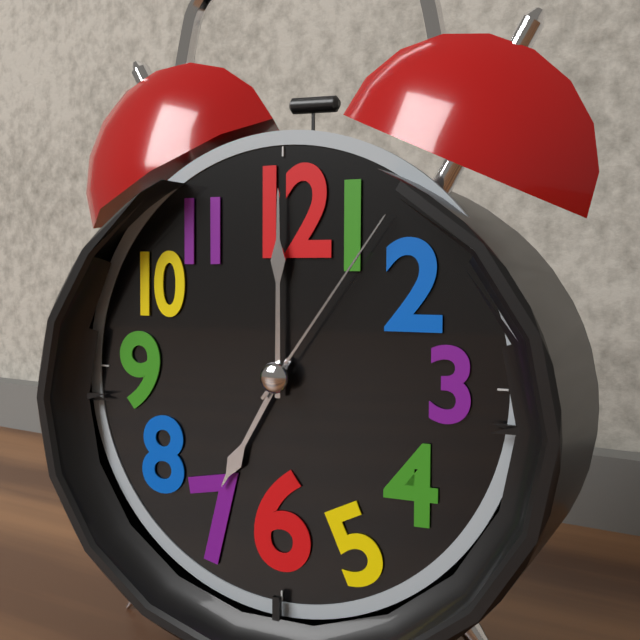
7:00:06
